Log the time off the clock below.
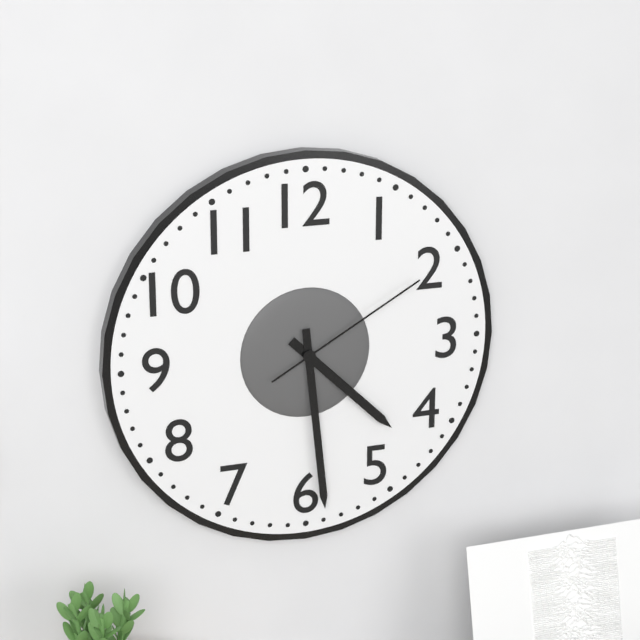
4:29:10
